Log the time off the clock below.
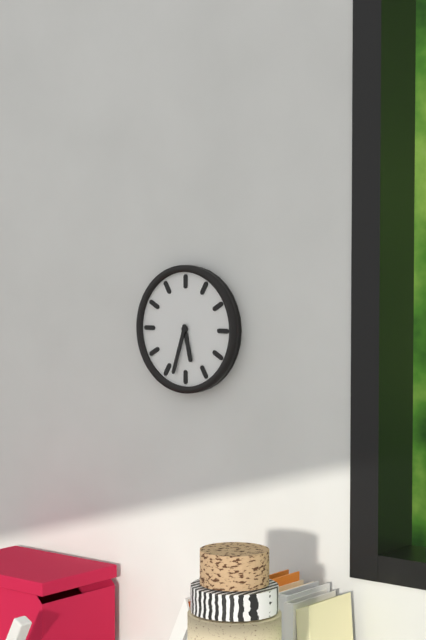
5:33
